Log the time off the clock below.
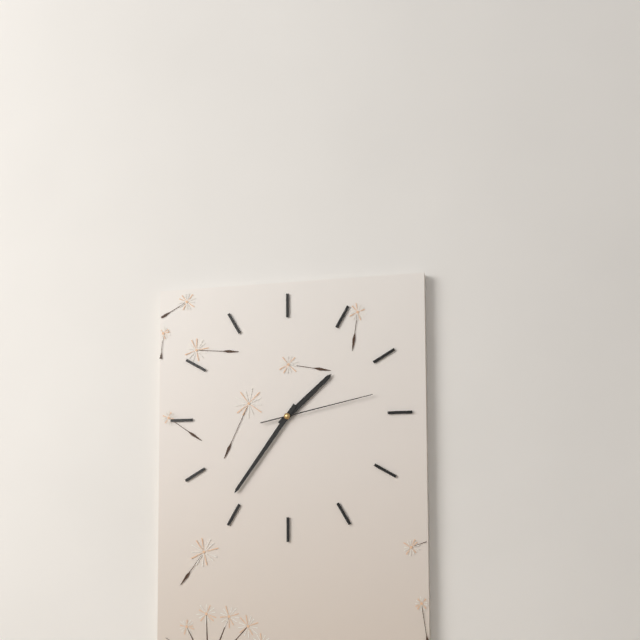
1:36:13
